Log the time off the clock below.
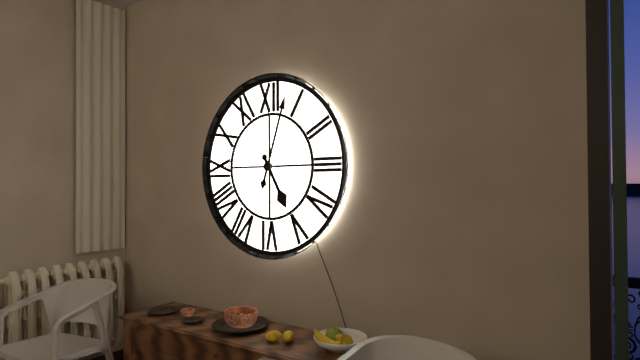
5:03
